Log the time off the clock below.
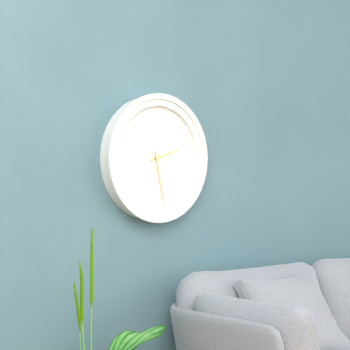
2:28
